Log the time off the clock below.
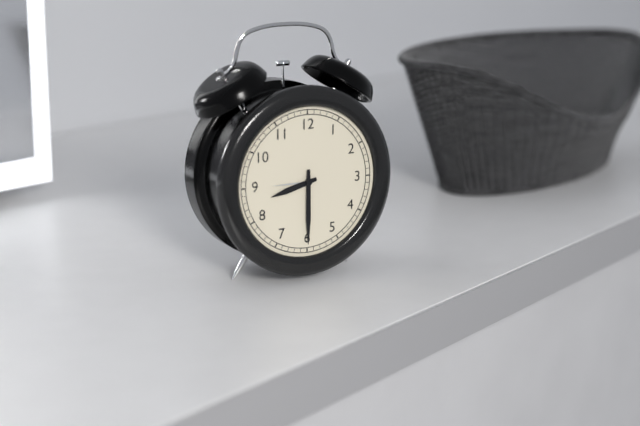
8:30
